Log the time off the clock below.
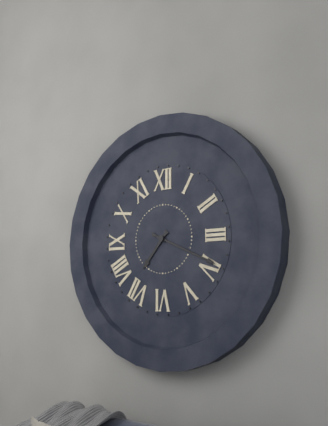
7:19
